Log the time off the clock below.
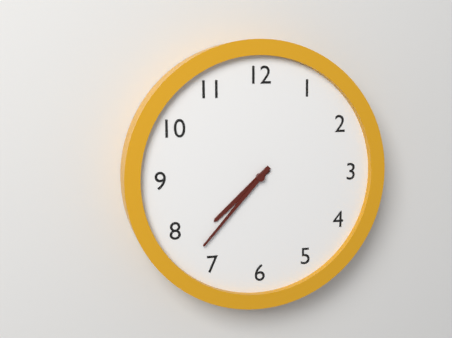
7:37
